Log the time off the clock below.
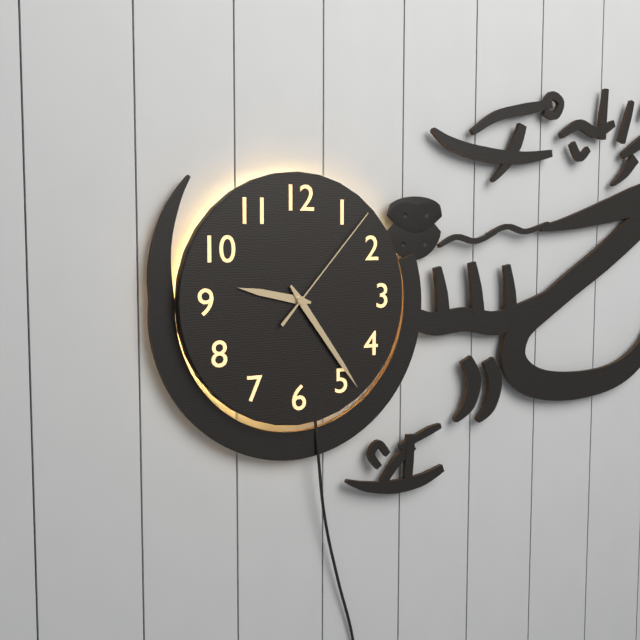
9:24:07
